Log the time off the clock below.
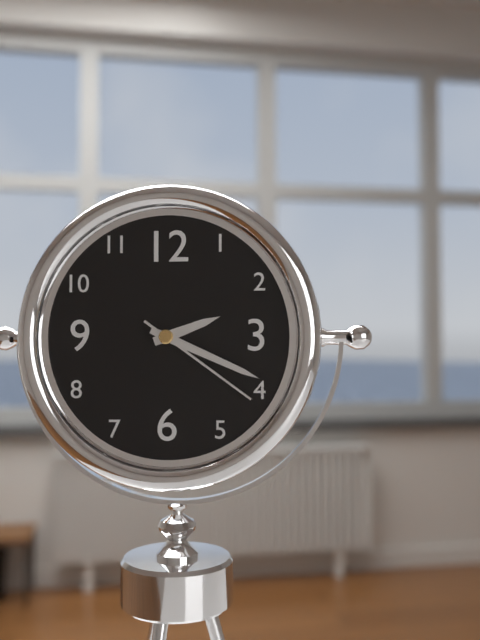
2:19:21
